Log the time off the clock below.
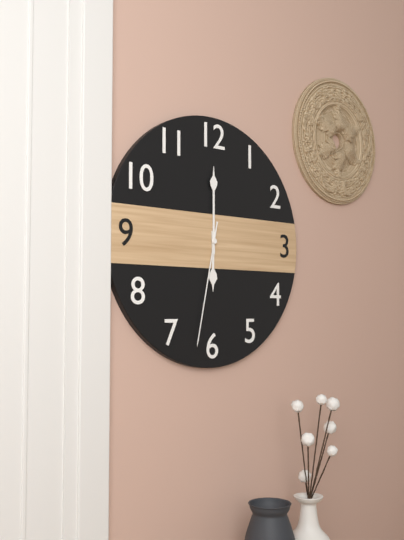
6:00:32
